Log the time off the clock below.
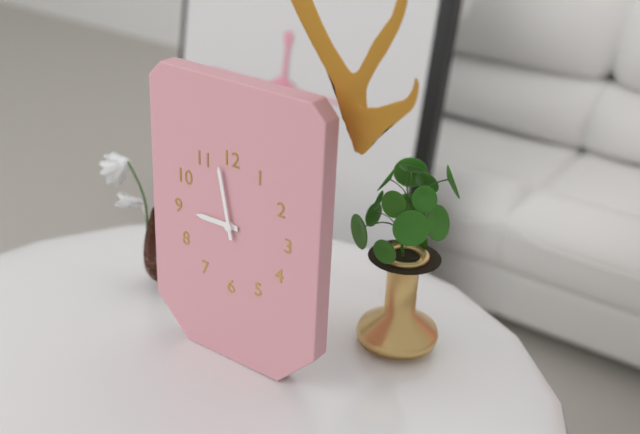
8:58
